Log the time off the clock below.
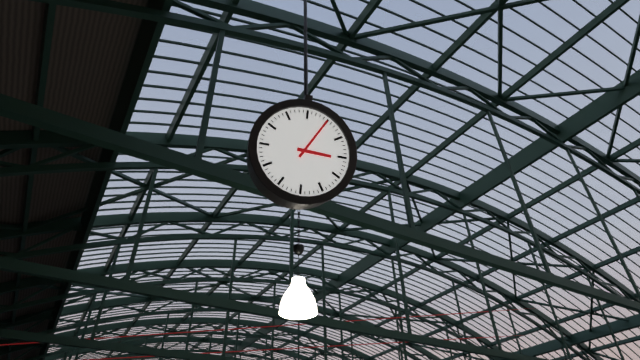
3:05
